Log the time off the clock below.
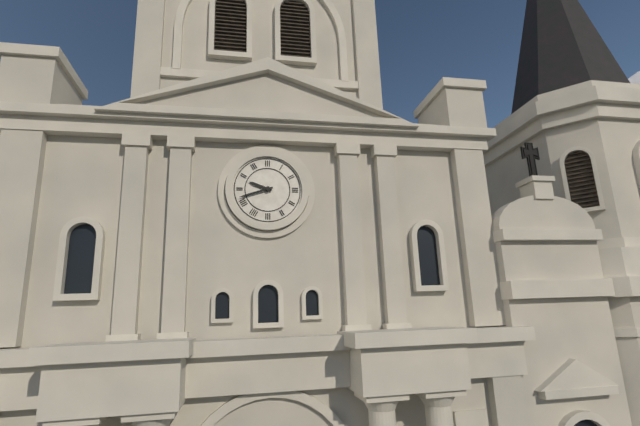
9:42
